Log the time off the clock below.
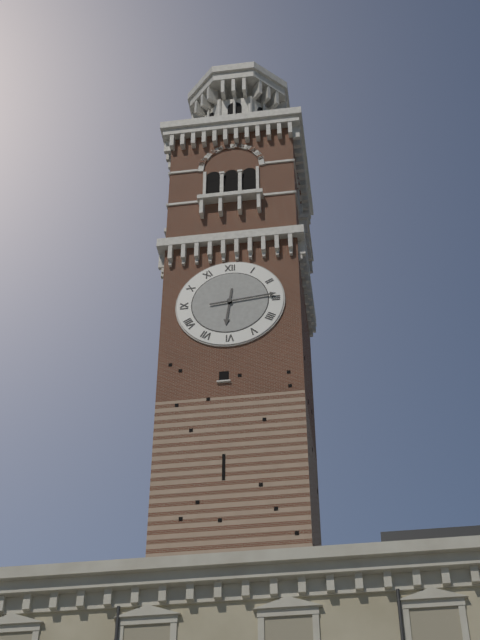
6:14
